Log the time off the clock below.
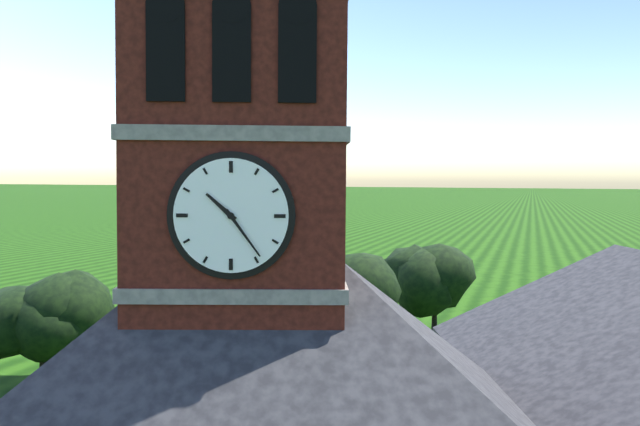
10:24
